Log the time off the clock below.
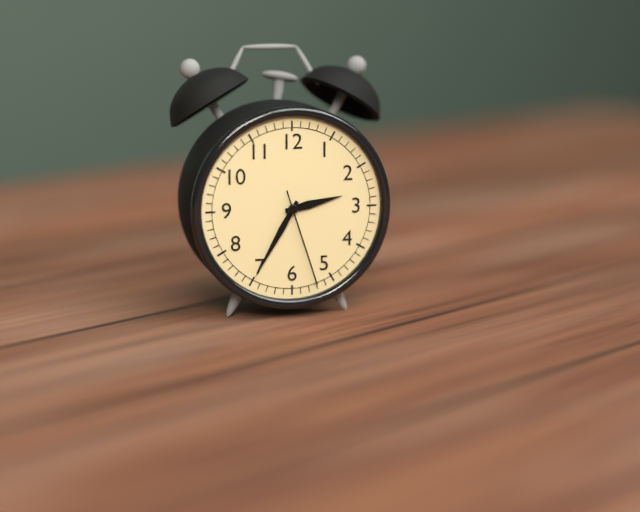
2:35:27
